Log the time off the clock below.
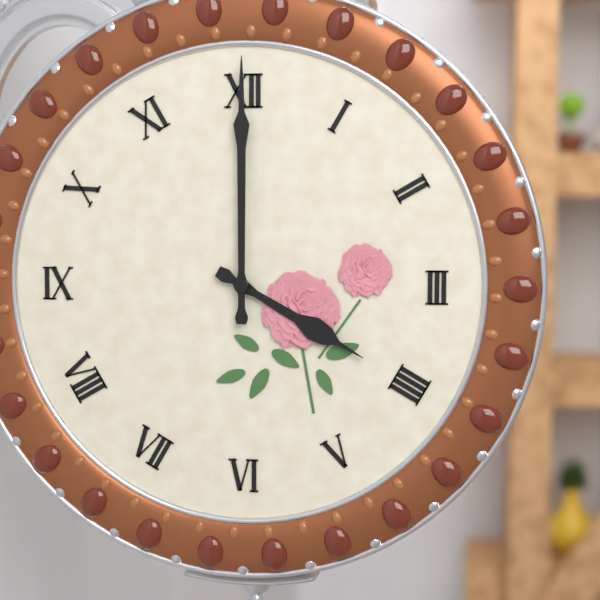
4:00
